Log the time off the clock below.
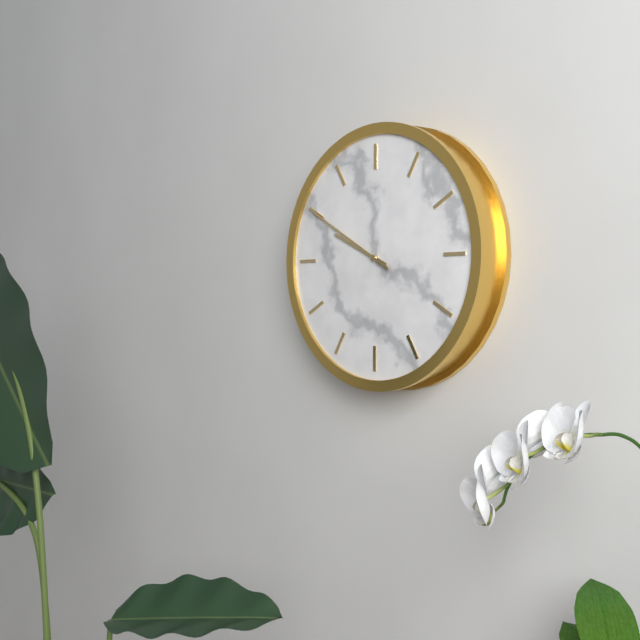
9:50
